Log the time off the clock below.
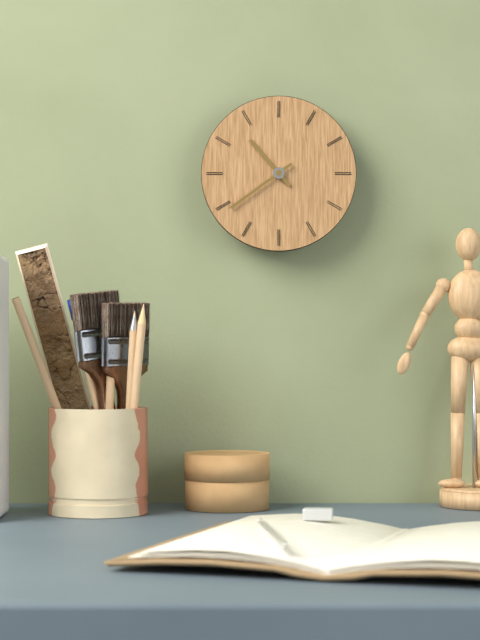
10:39
